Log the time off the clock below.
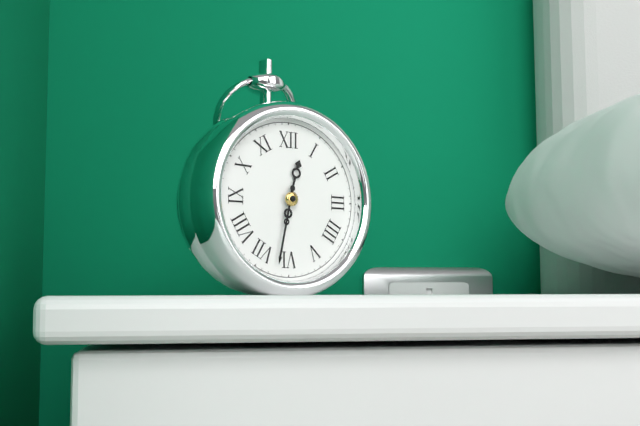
12:32
